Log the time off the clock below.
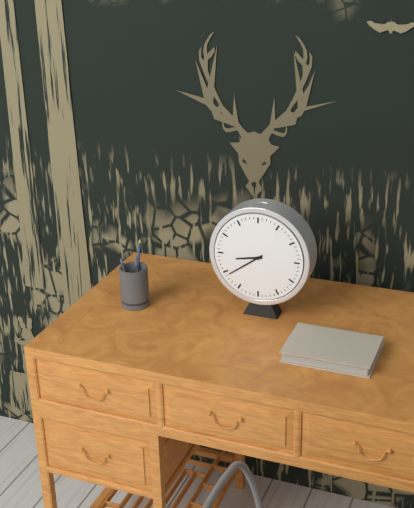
8:39
